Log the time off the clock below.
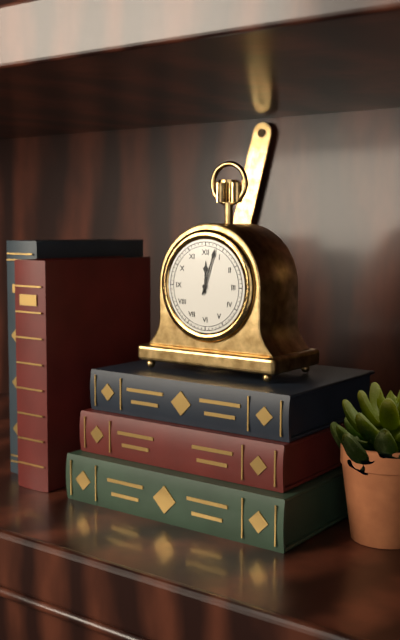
12:03
